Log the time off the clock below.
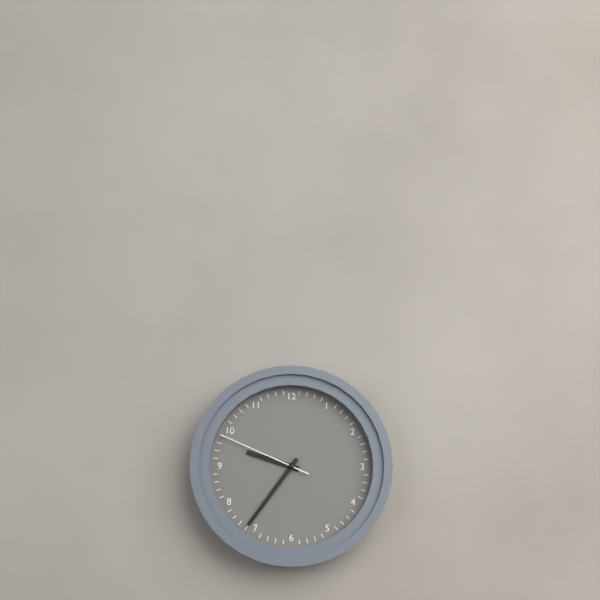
9:36:49
